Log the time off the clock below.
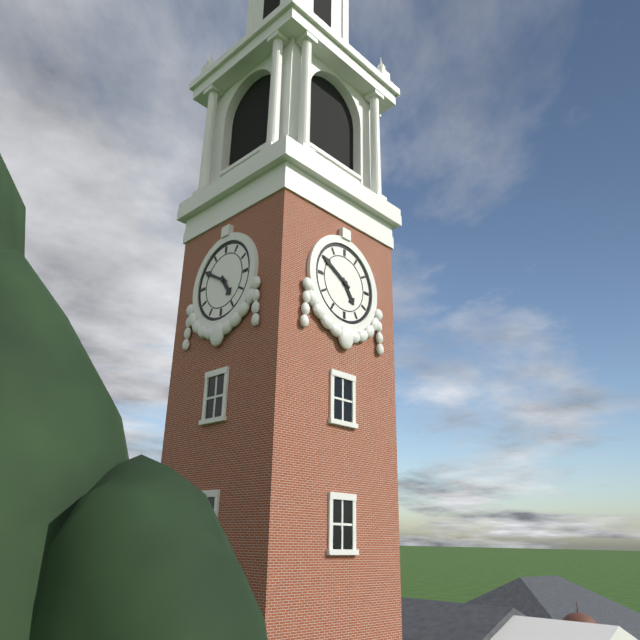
4:50
